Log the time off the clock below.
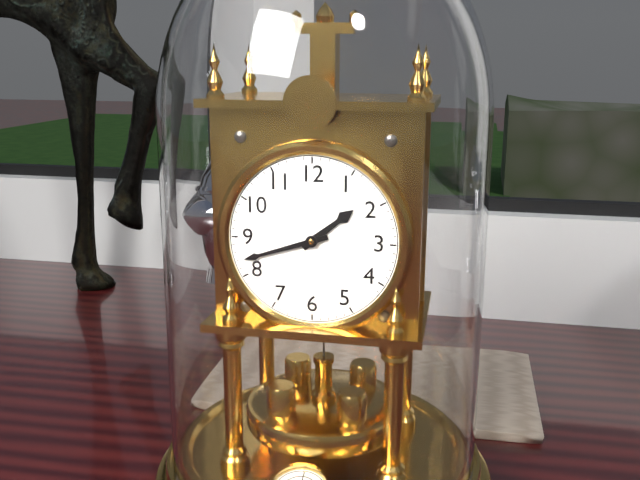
1:42
